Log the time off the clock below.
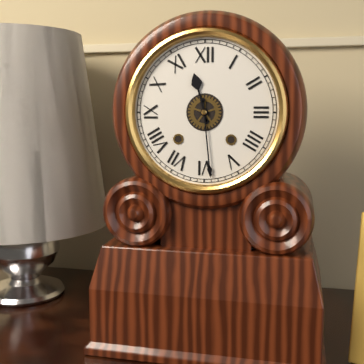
11:29
